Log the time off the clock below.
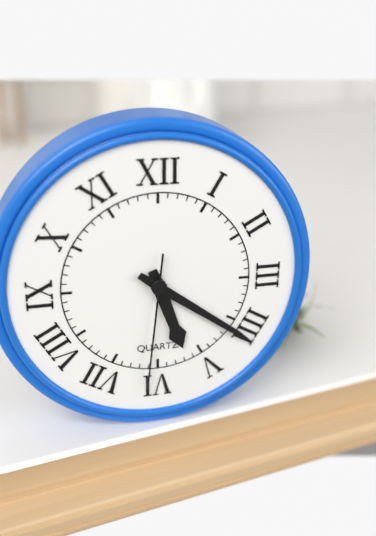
5:21:31
